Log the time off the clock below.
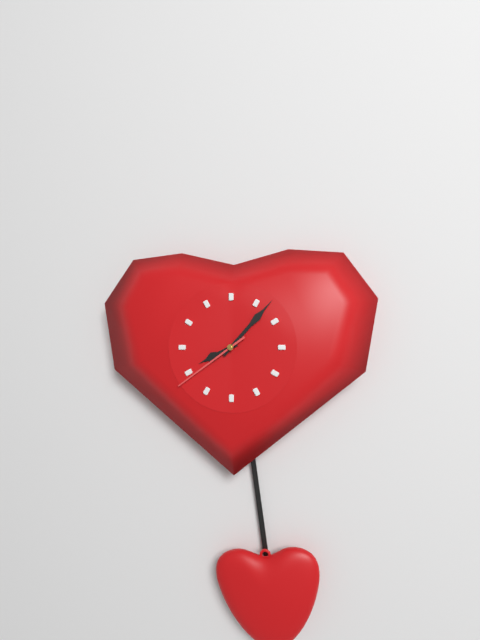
8:07:39
